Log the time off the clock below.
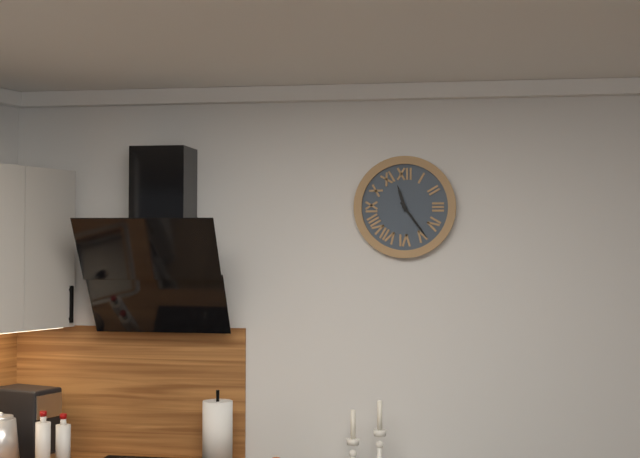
11:24
